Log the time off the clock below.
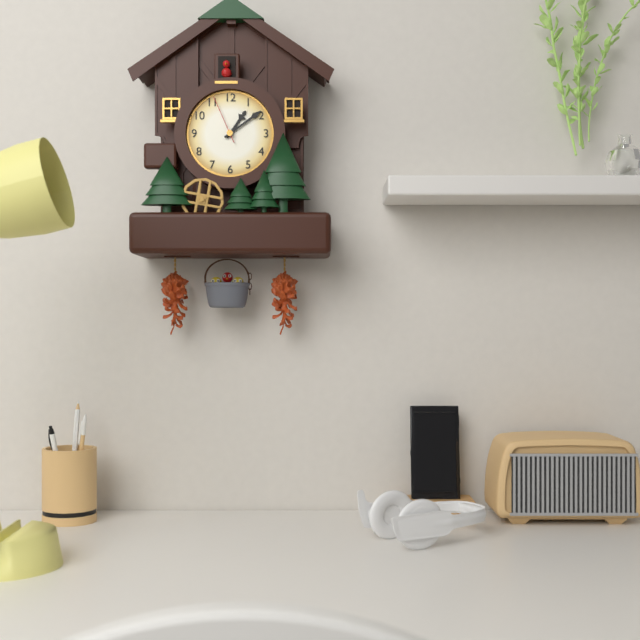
1:09
